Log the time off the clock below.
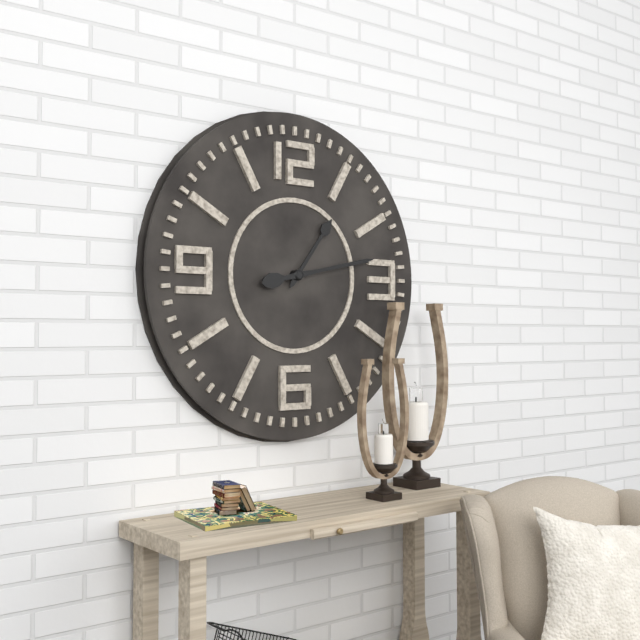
1:13
